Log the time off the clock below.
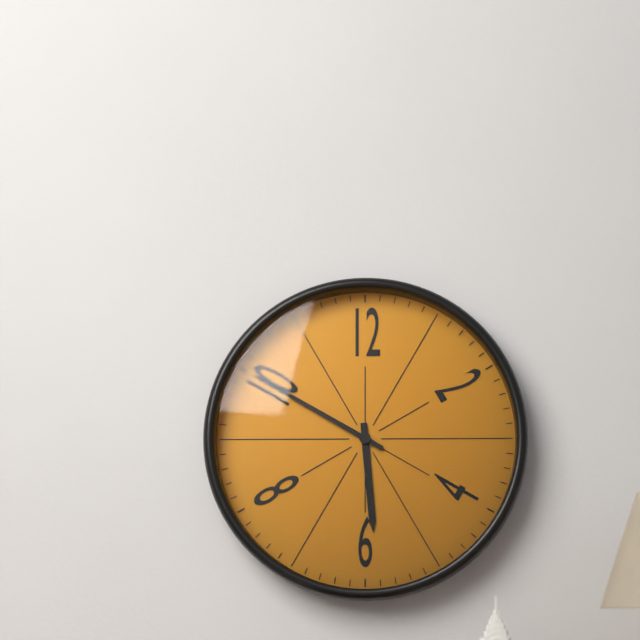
5:50
